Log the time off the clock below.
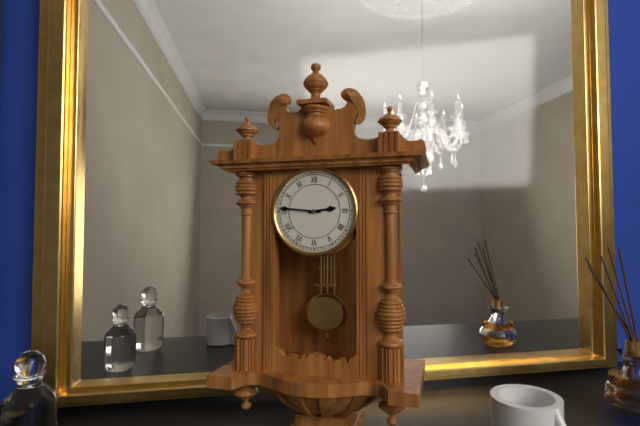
2:46
